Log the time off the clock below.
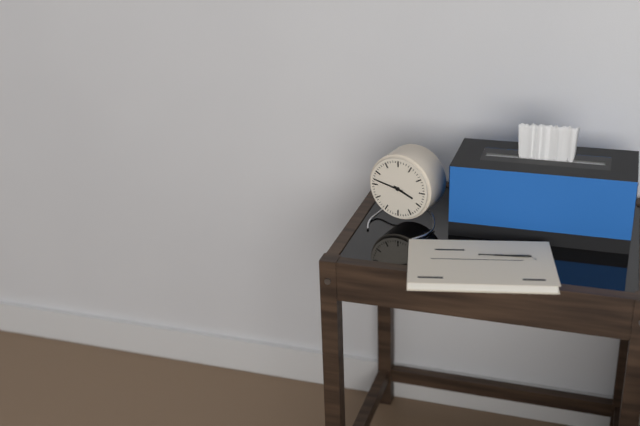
3:47
